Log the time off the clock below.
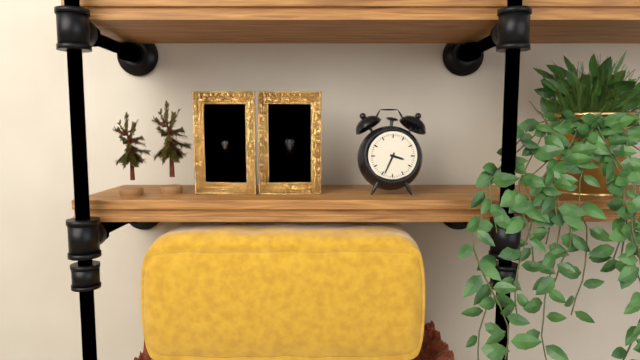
3:34
